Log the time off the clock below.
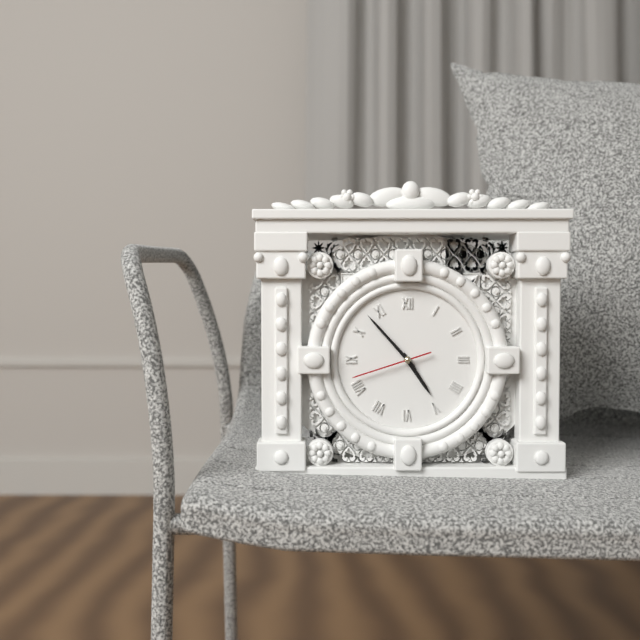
4:53:42
